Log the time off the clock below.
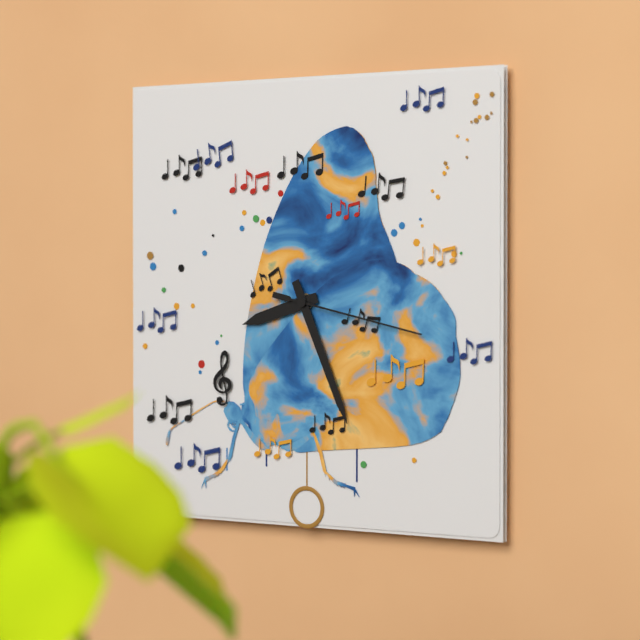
8:26:17
